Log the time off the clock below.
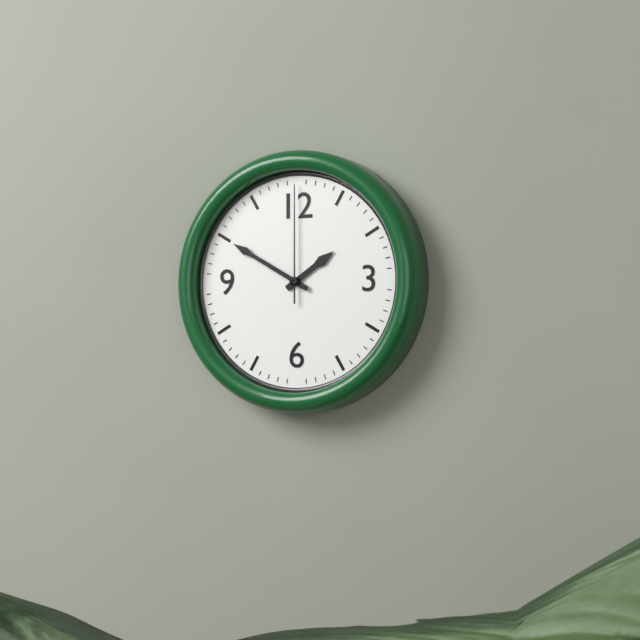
1:50:00
